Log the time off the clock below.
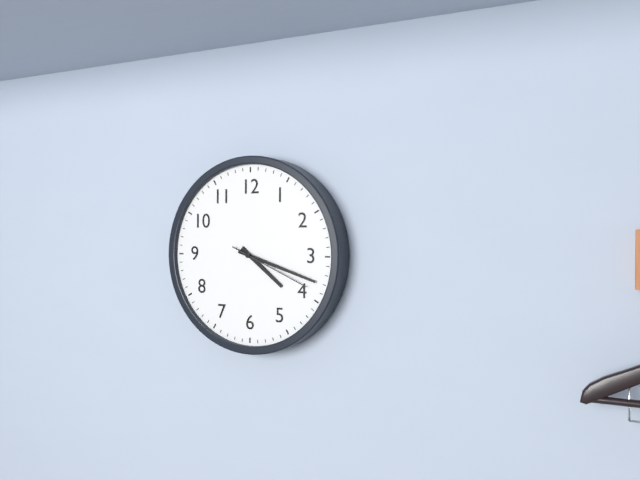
4:18:19
